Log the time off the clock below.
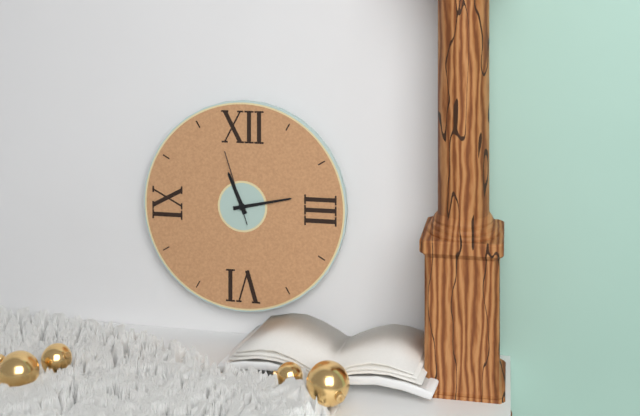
11:13:57
